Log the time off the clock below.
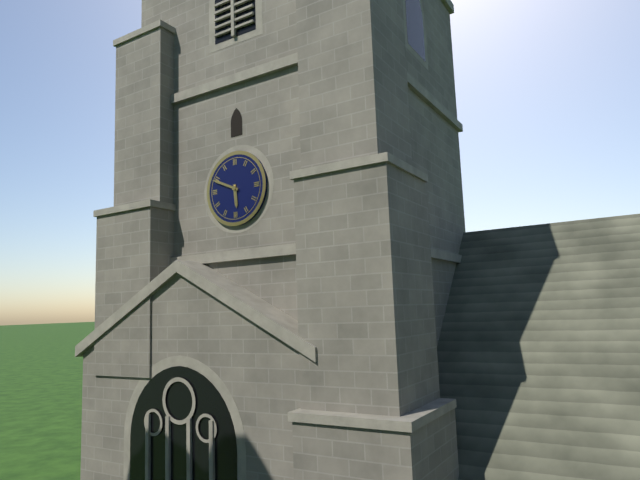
5:49
